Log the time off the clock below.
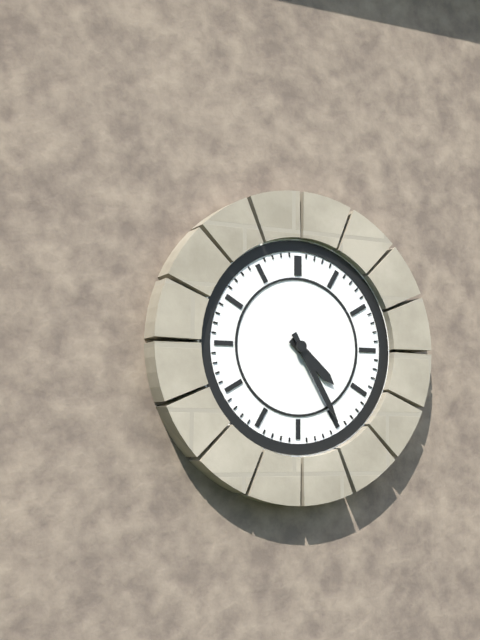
4:25
